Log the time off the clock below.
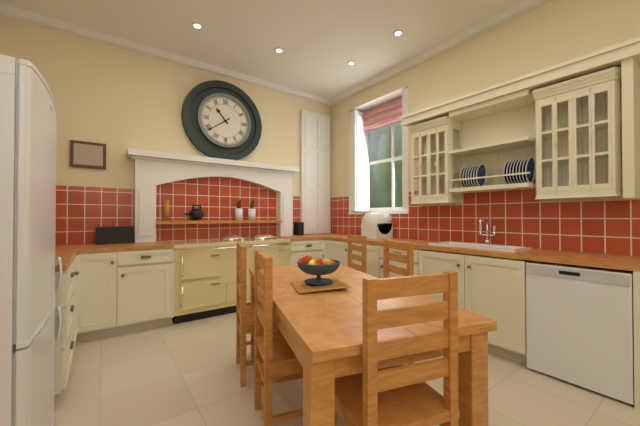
10:39
